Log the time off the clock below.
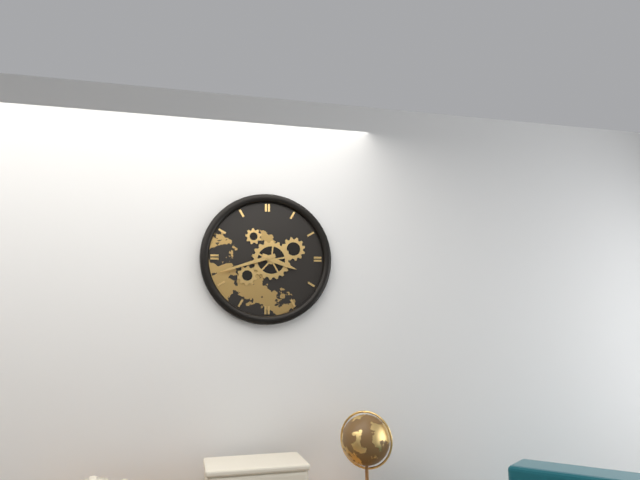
3:42
